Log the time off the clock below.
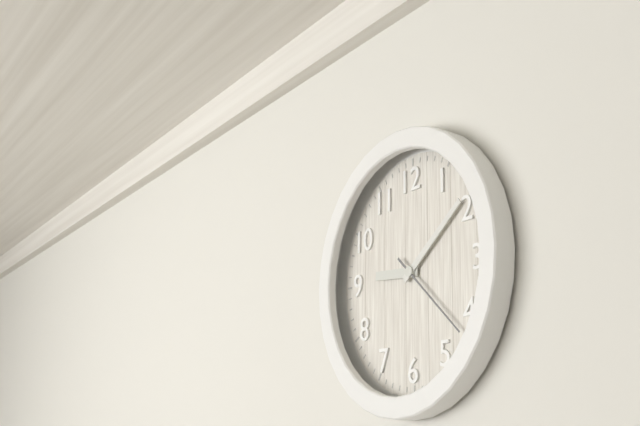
9:09:22
